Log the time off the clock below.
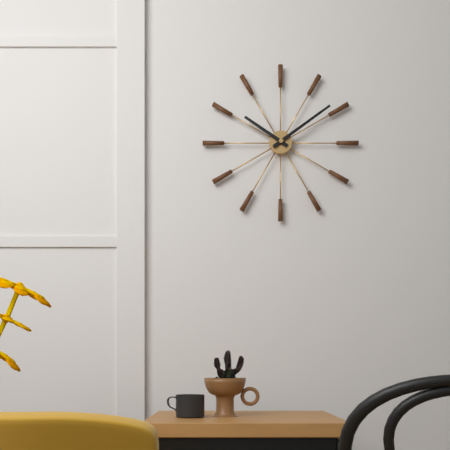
10:09
